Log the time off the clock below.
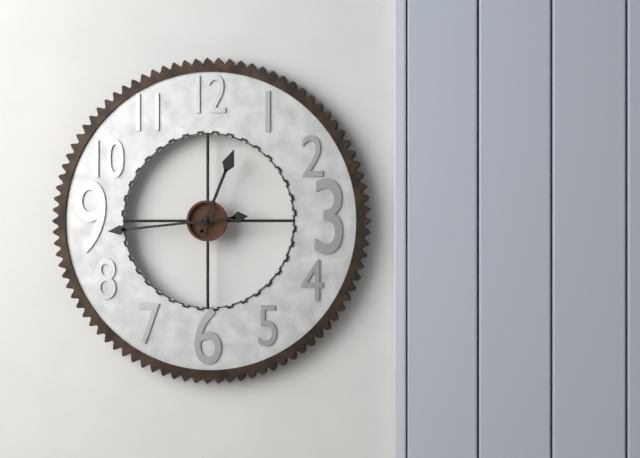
12:44
